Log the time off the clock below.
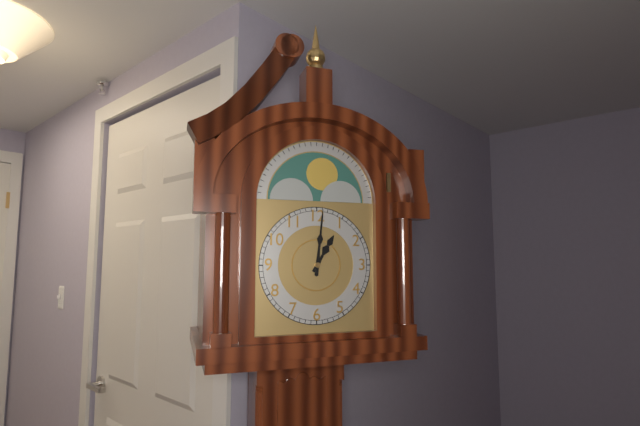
1:01
